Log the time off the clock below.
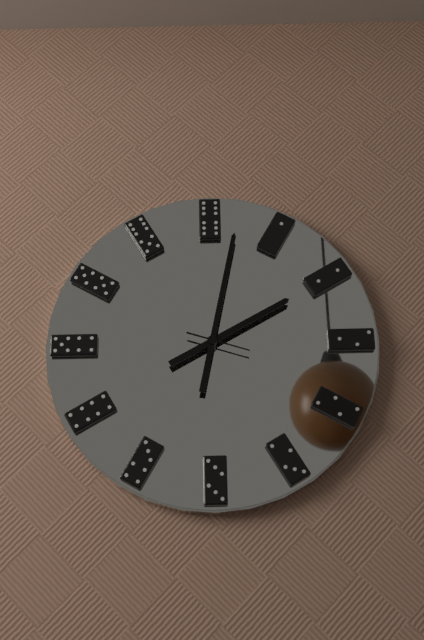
2:02
